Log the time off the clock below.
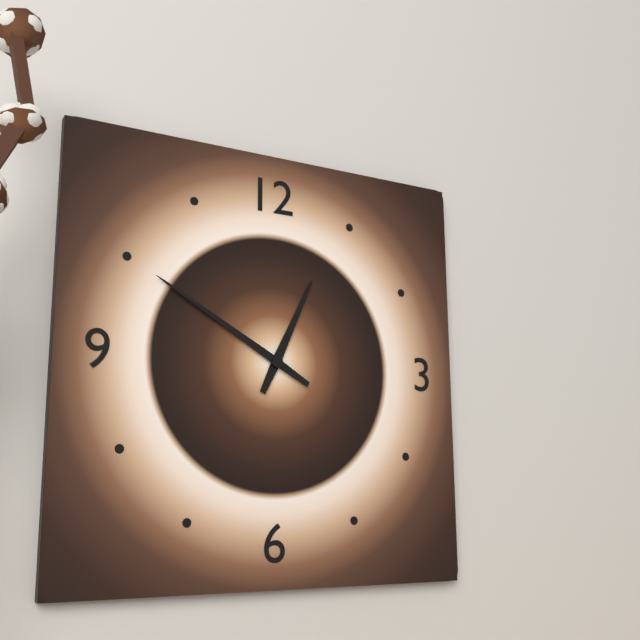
12:50
